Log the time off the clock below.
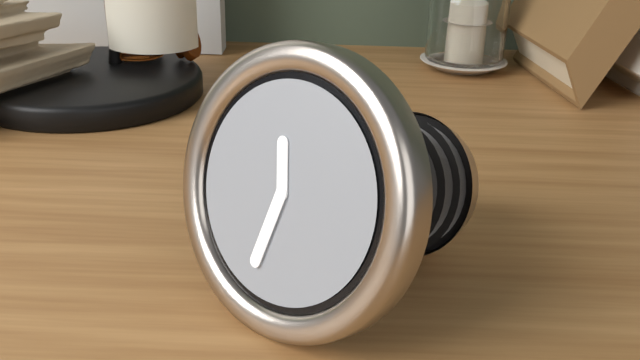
11:32
